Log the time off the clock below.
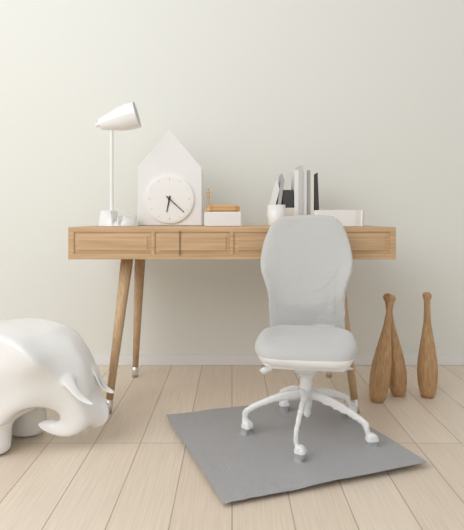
6:22
